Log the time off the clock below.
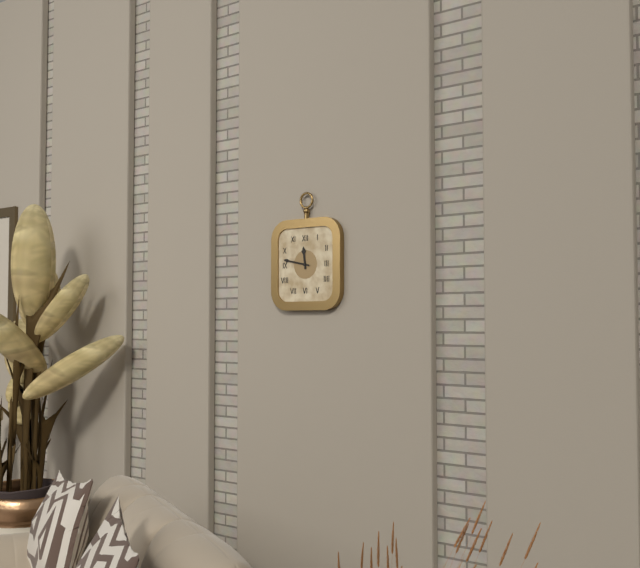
11:47
